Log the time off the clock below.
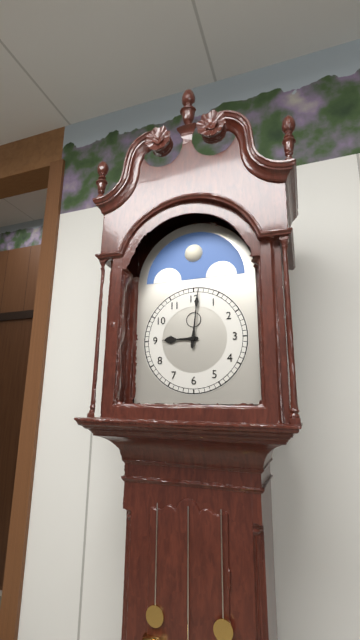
9:01
